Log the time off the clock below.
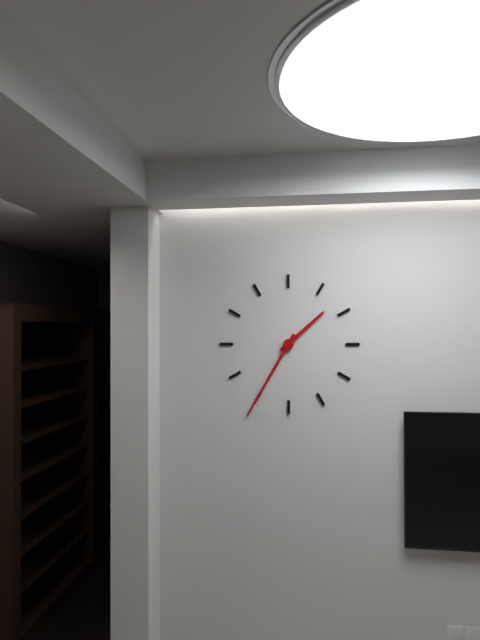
1:35
